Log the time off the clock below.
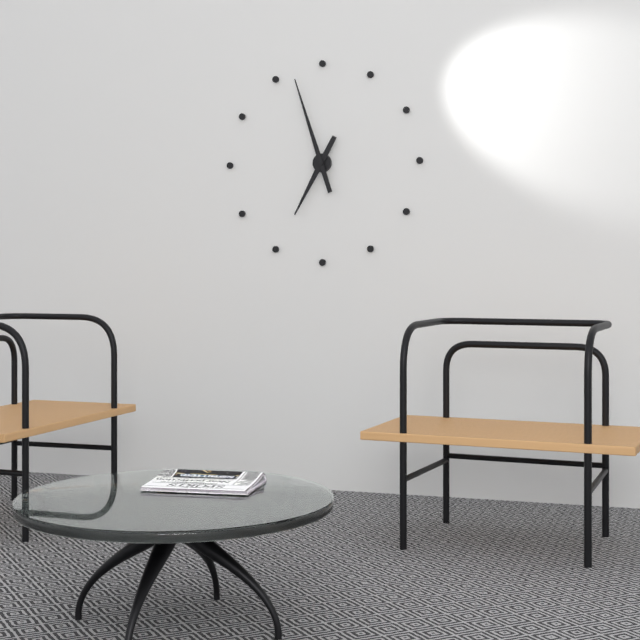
6:57
